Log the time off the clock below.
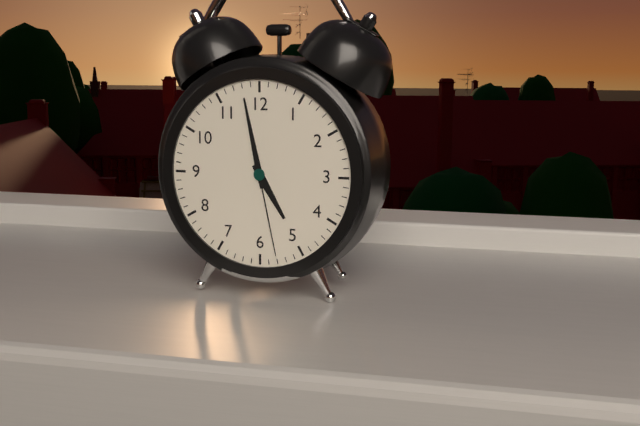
4:58:28
